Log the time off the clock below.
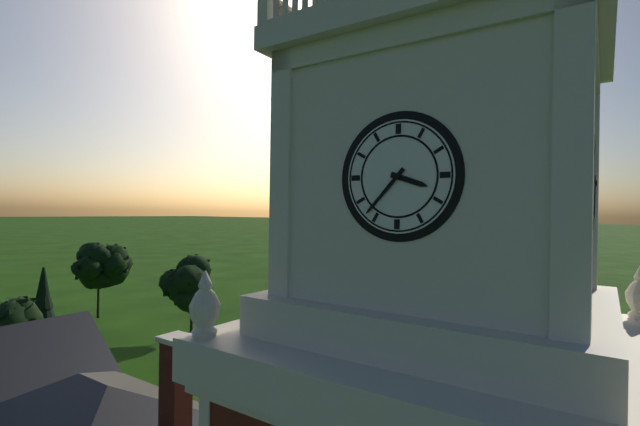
3:37
